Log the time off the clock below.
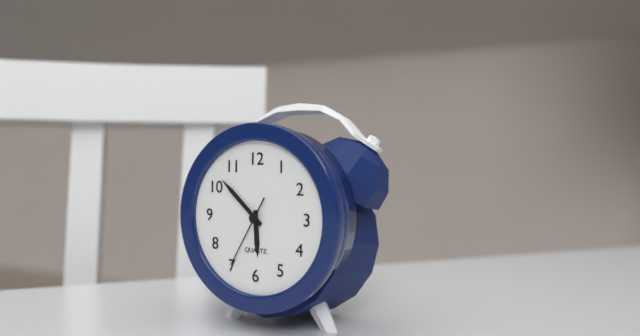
5:52:35
